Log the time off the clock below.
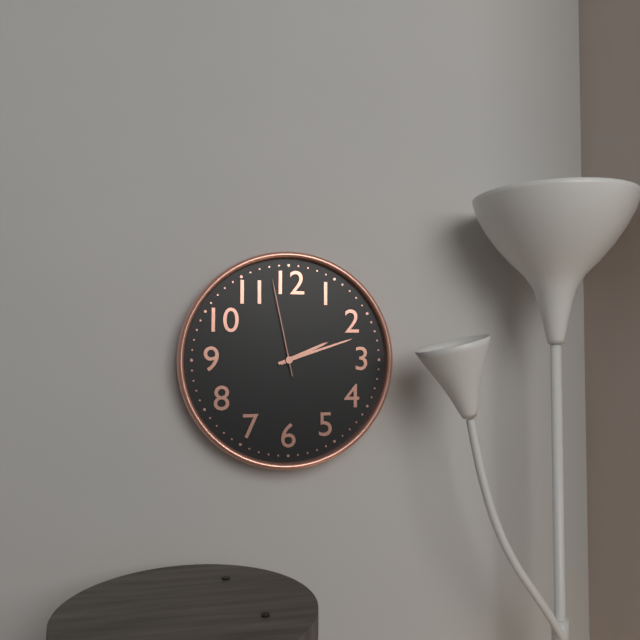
2:12:58
